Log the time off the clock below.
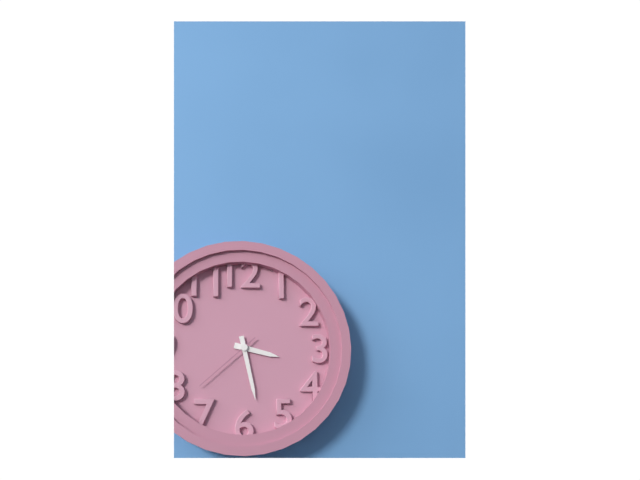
3:28:38
